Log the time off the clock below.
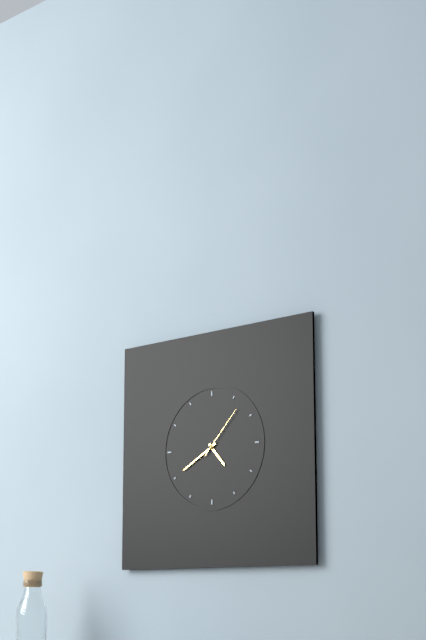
4:40:07
